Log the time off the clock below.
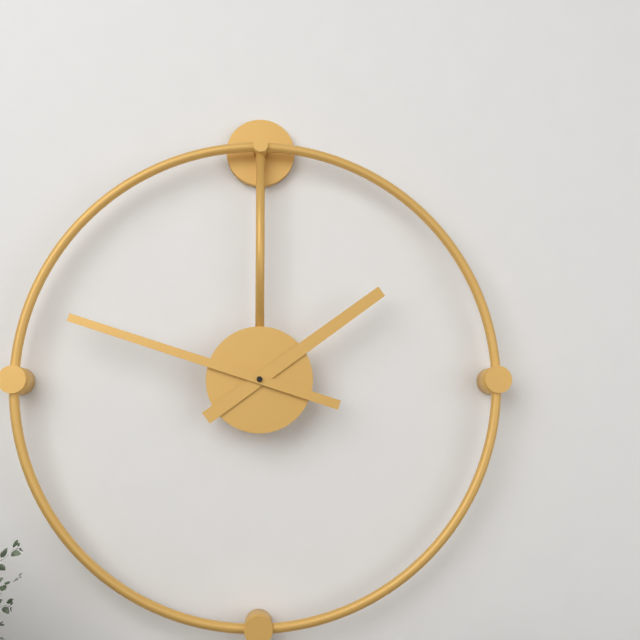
1:48
